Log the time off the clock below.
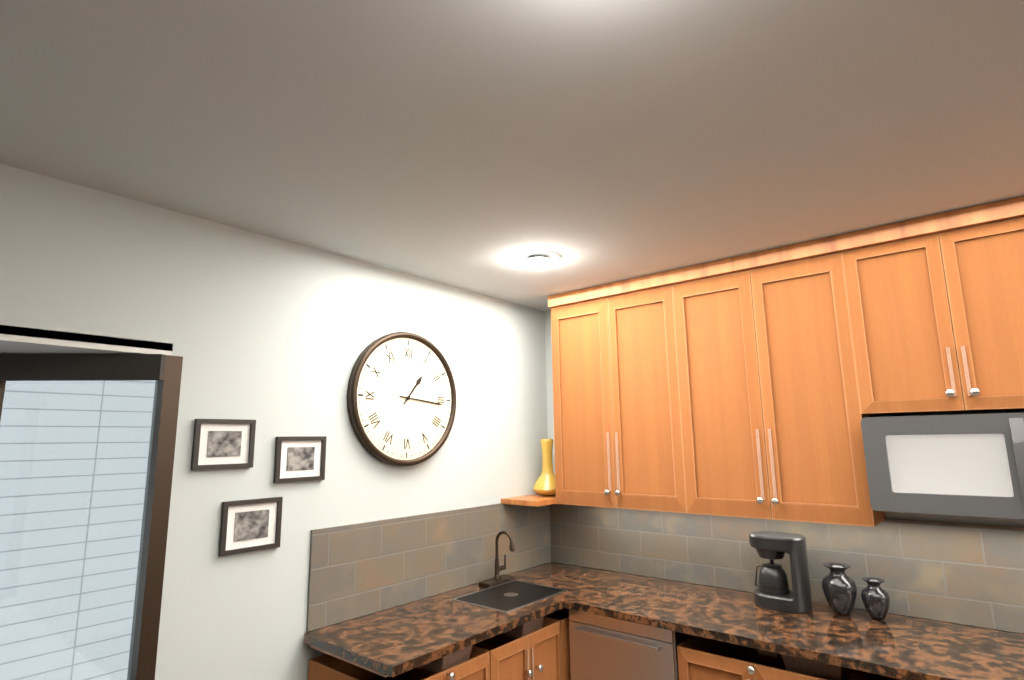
1:16
